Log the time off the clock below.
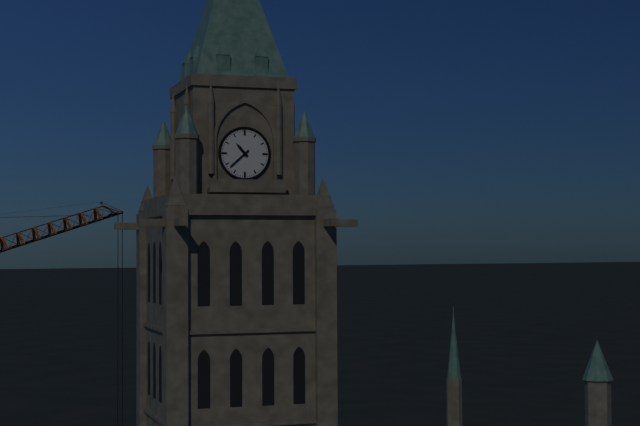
10:38
